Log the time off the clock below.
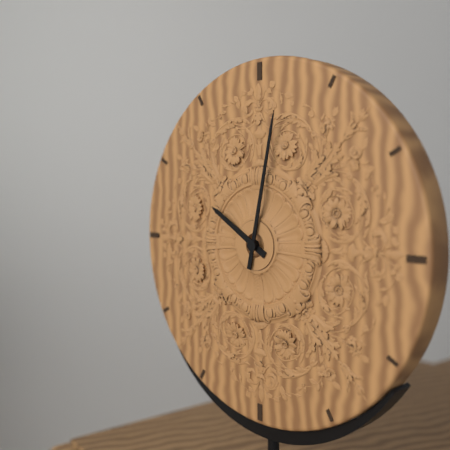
10:02
